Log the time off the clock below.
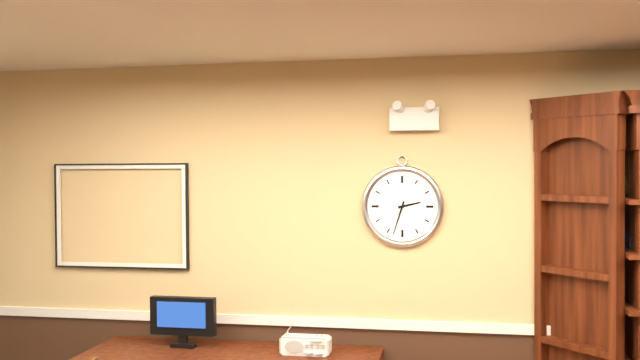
2:33
